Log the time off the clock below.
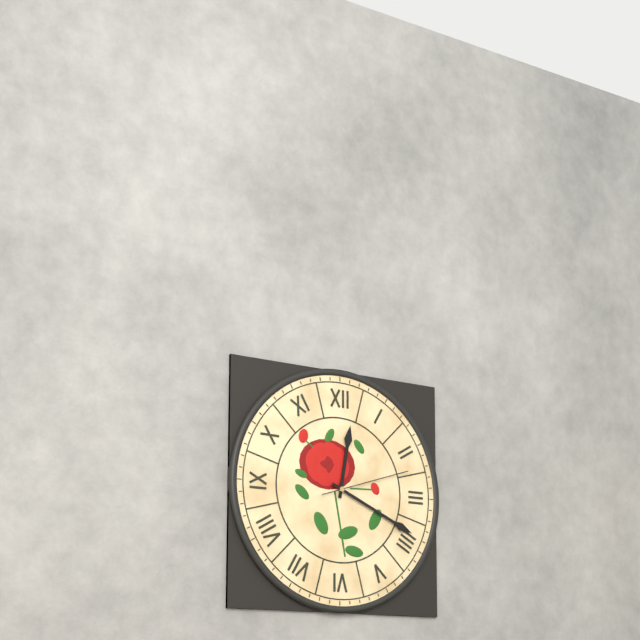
12:19:12
